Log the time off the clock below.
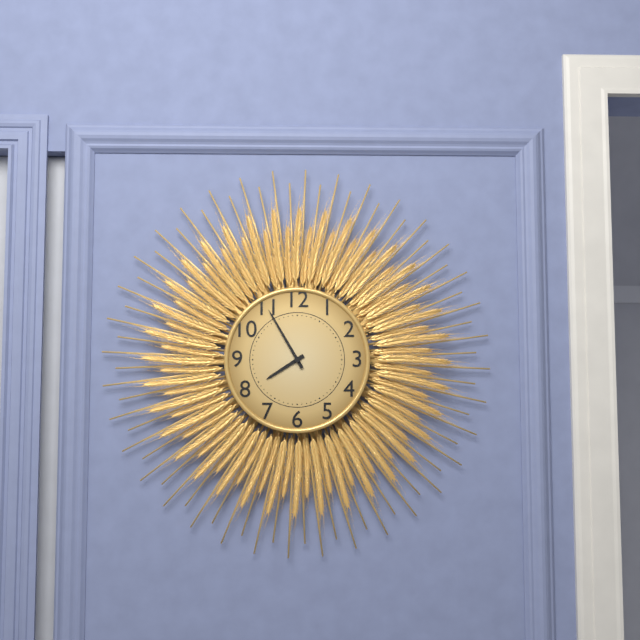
7:55
